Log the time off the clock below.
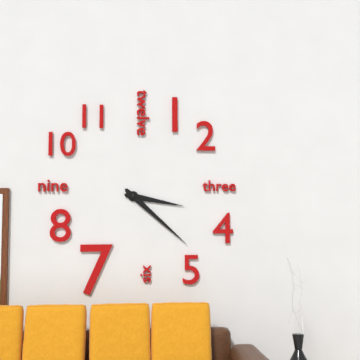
3:22
